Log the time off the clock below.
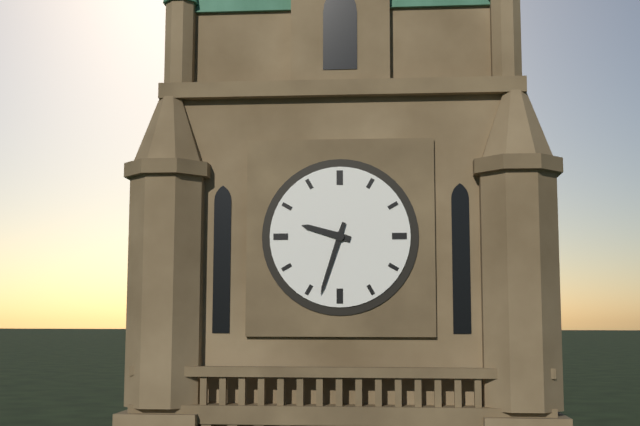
9:33
